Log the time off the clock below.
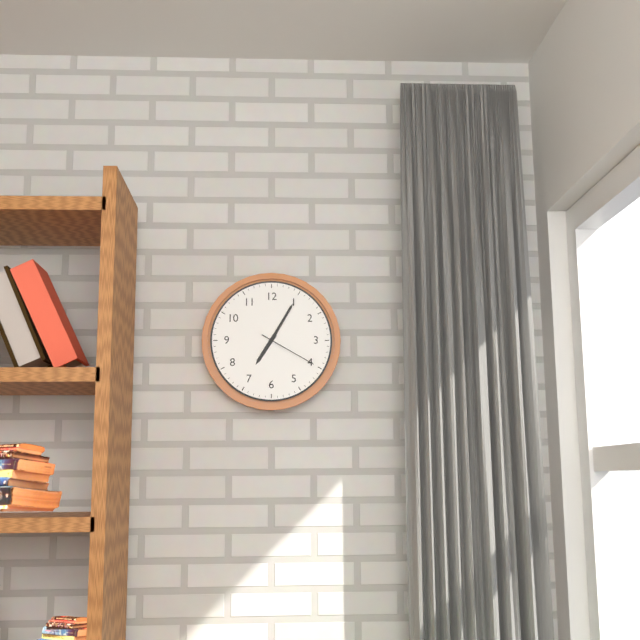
7:05:20
